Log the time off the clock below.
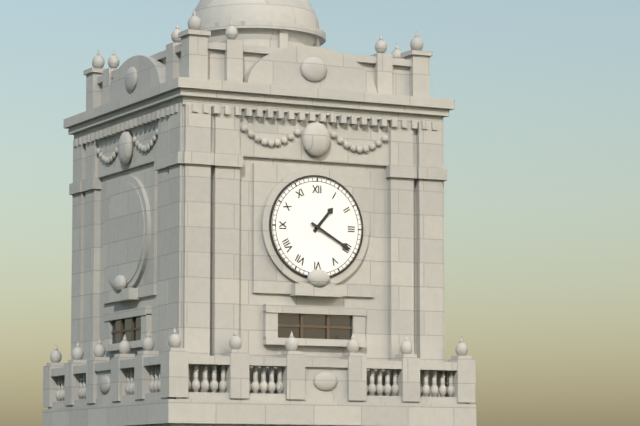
1:20
